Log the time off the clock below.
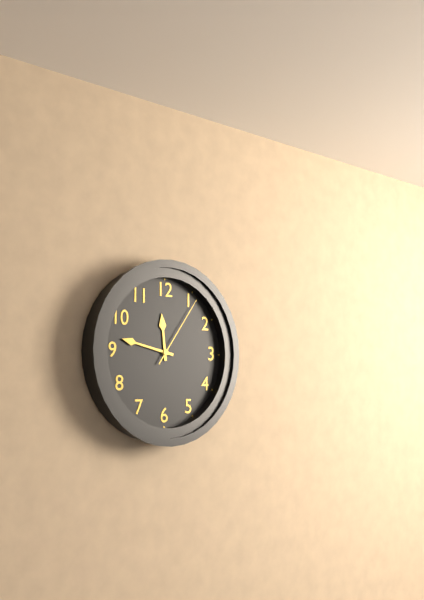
11:47:06
